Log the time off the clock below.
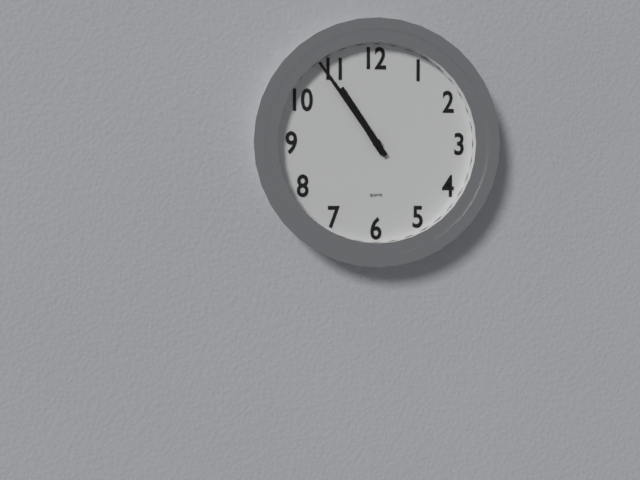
10:54
